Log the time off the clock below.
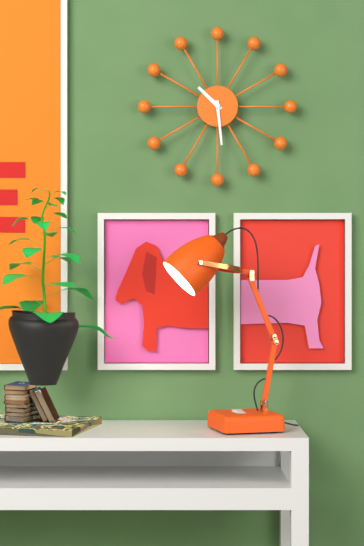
10:29
